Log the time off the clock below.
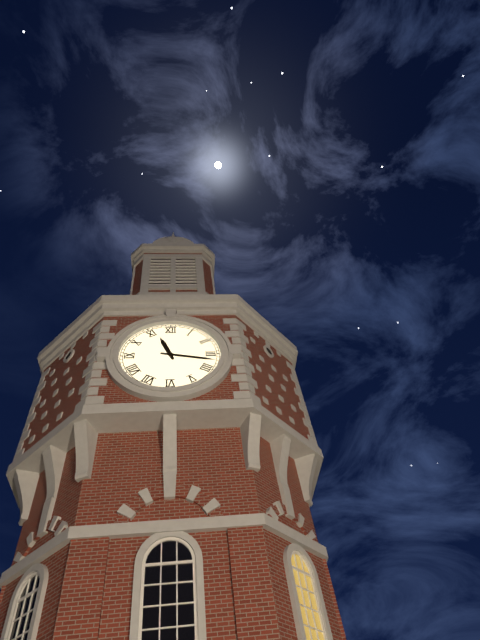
11:17
